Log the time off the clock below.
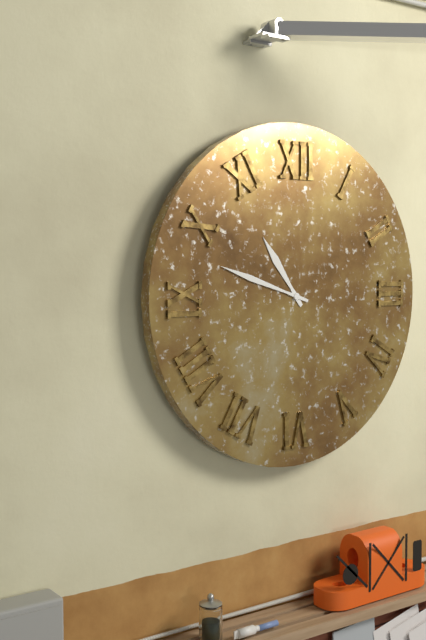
10:48
